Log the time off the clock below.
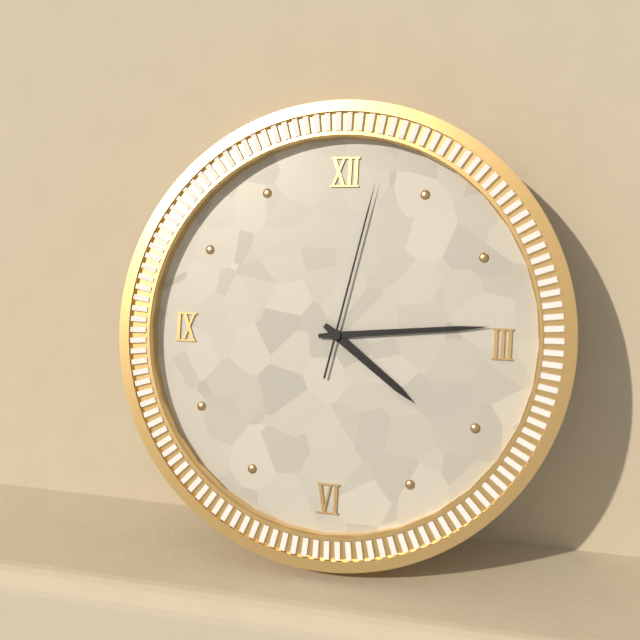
4:14:02
